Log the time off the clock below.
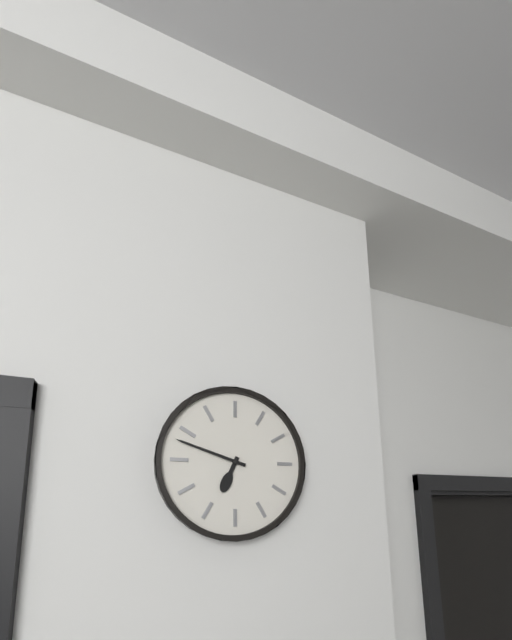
6:48
